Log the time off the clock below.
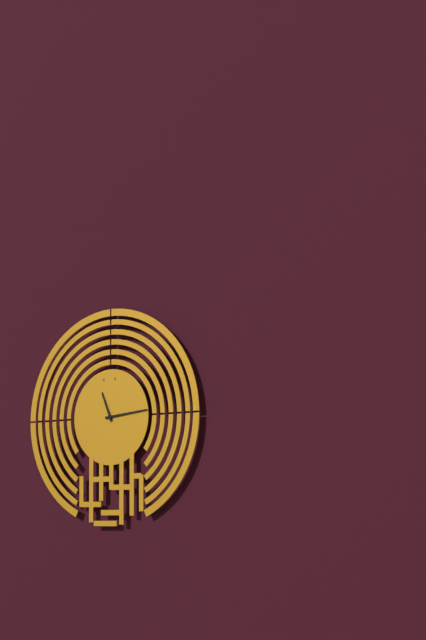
11:14
